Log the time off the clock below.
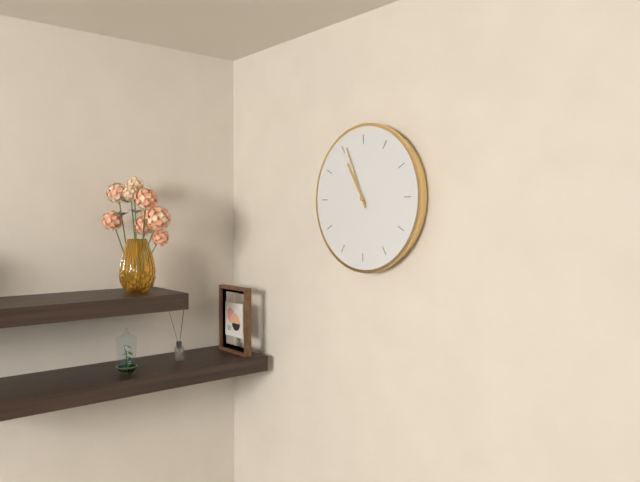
10:56
